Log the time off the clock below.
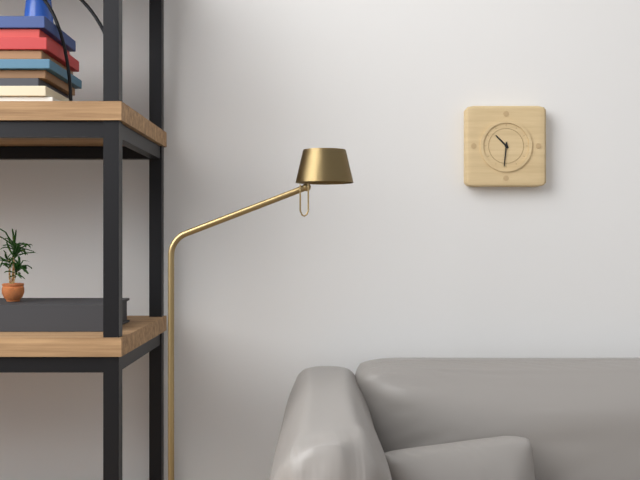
10:31
